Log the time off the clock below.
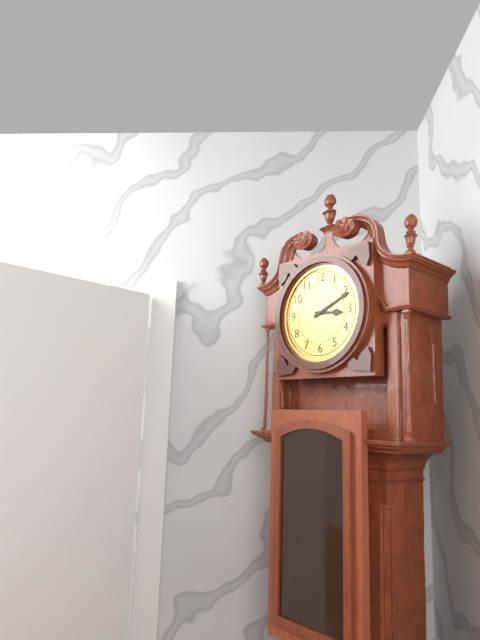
3:11
